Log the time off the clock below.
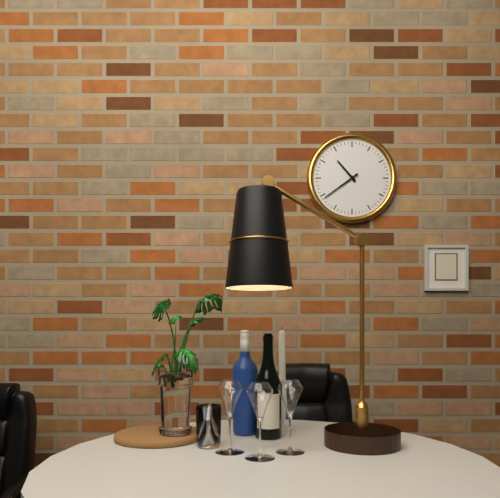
10:39
